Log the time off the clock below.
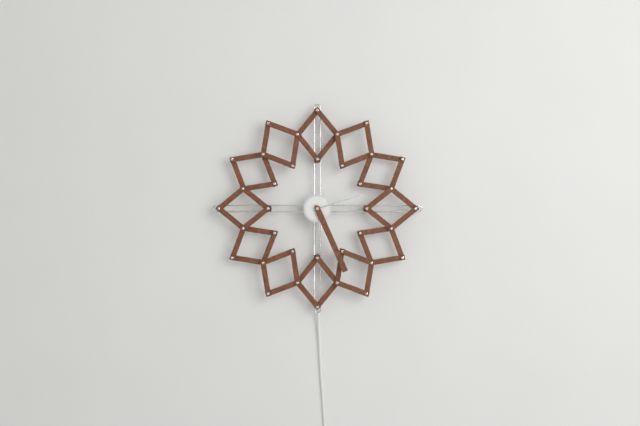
2:26
